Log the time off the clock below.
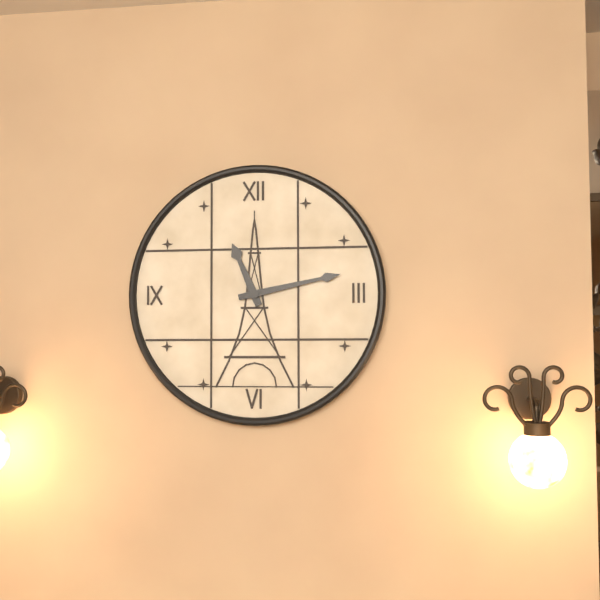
11:13
